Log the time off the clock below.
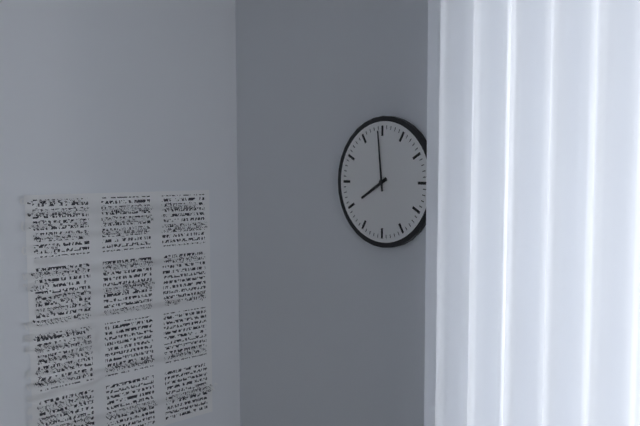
7:59
